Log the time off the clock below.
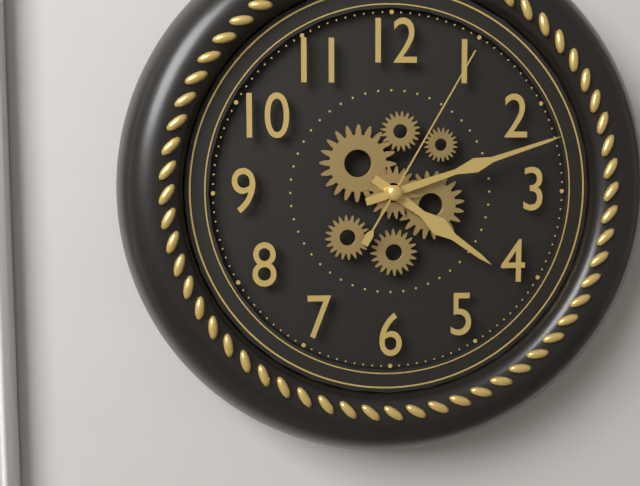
4:12:05
